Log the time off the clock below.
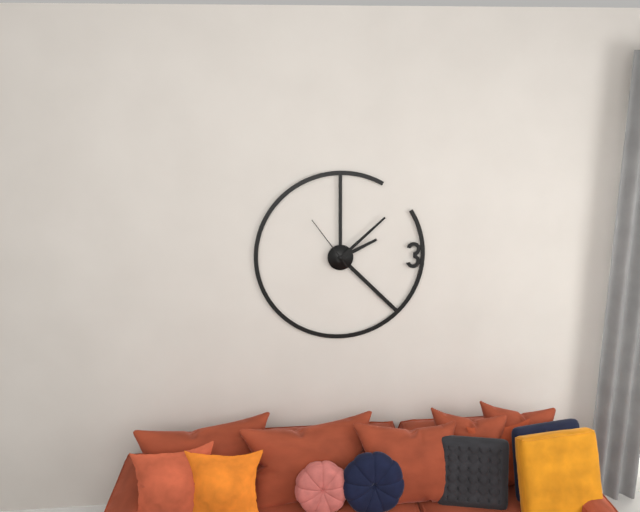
2:08:54
